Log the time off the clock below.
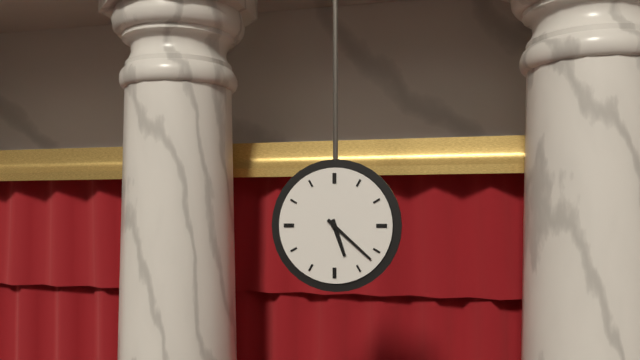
5:22
